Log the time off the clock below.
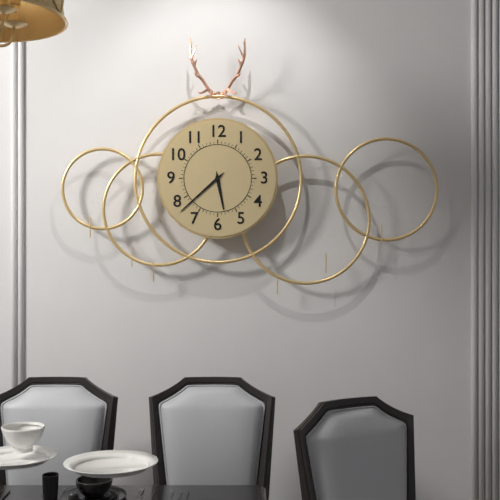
5:38
